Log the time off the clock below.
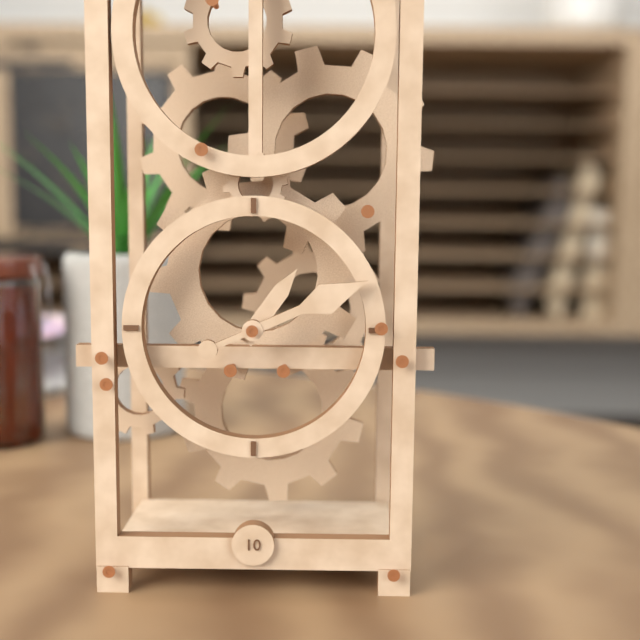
1:11
